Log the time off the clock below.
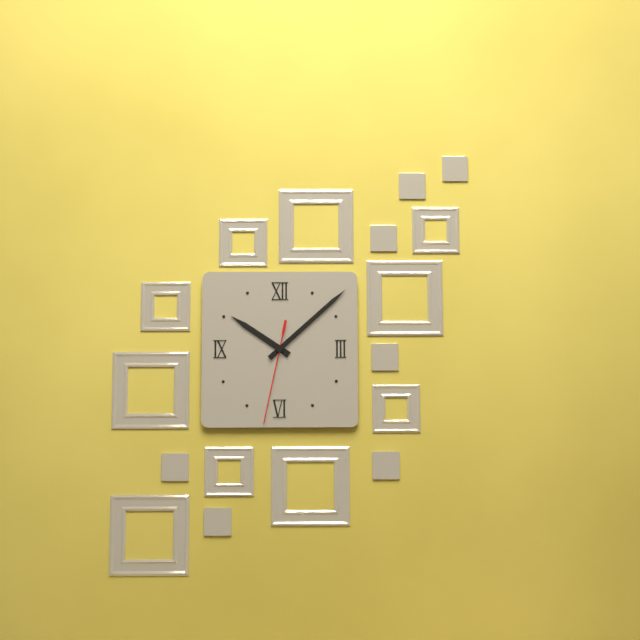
10:08:32
